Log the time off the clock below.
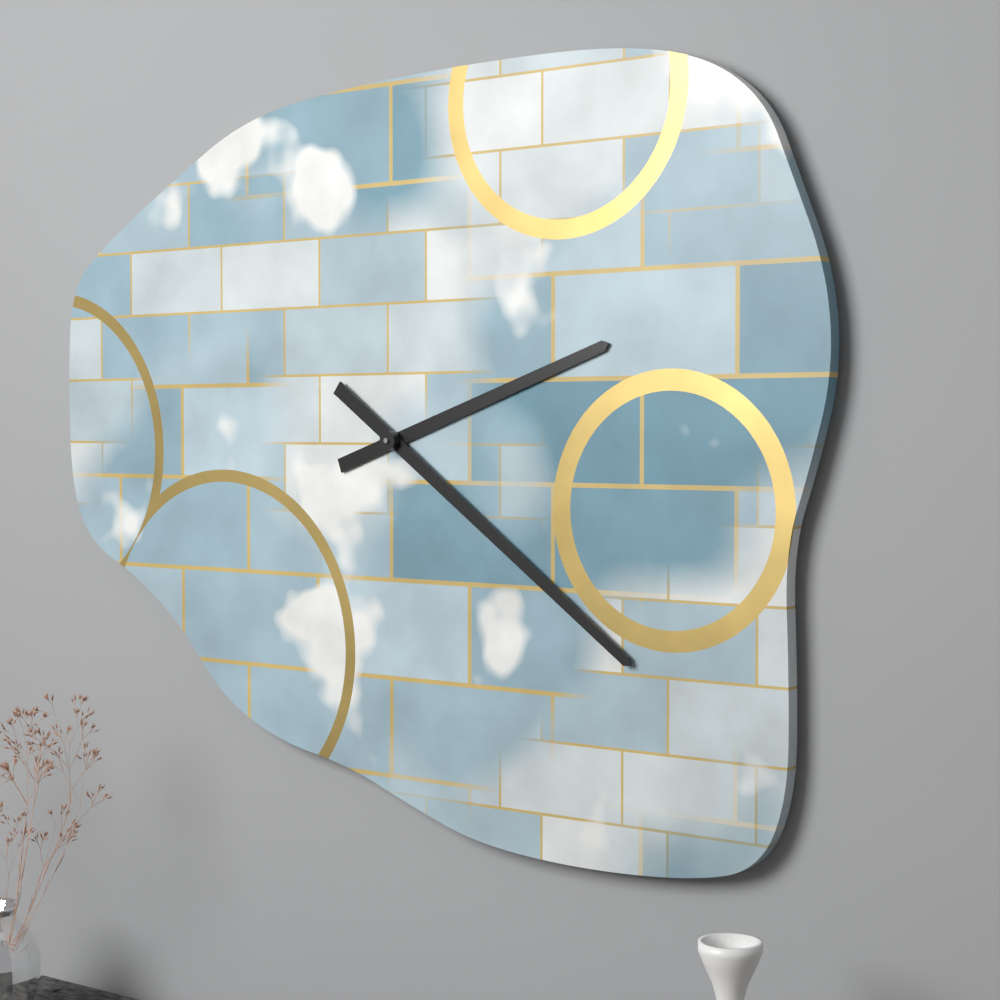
2:21
